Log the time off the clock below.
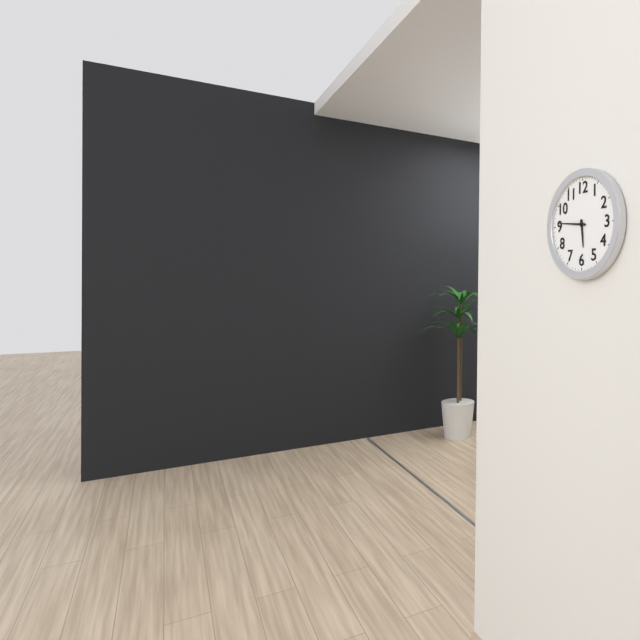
5:46
